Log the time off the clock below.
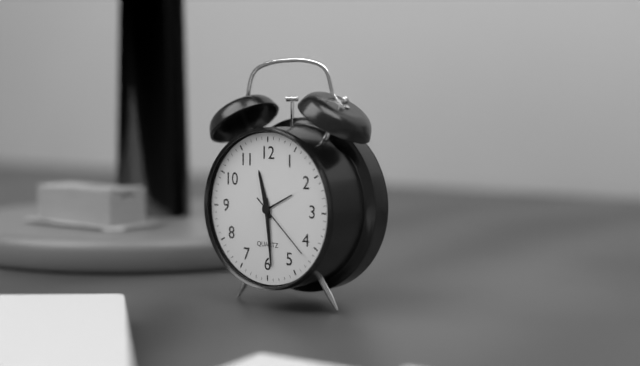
11:29:22
